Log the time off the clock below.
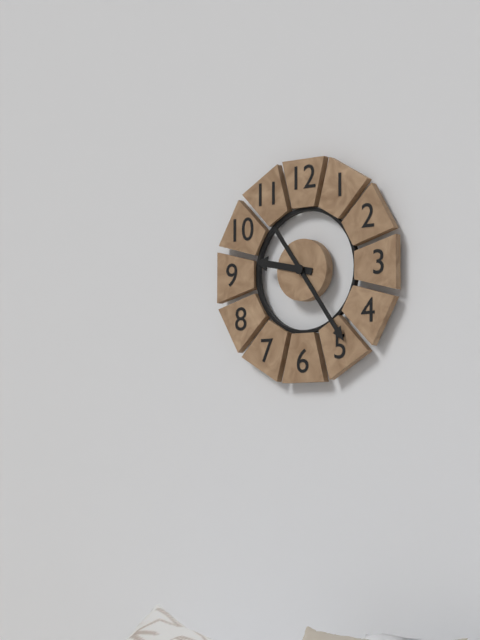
9:24
